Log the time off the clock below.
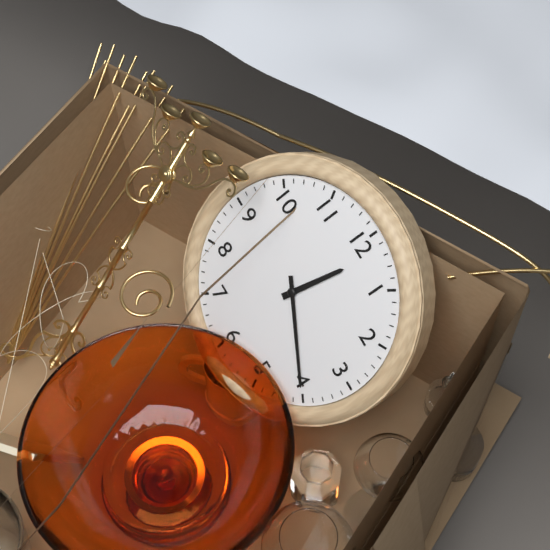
12:20
